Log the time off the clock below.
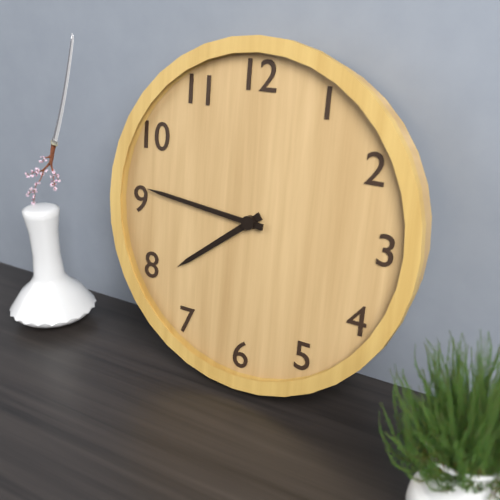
7:46
